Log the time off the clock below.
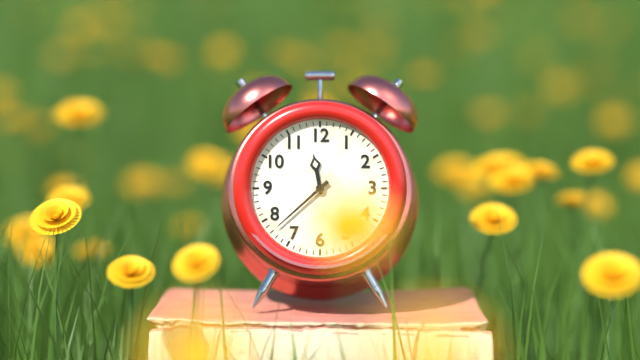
11:38
